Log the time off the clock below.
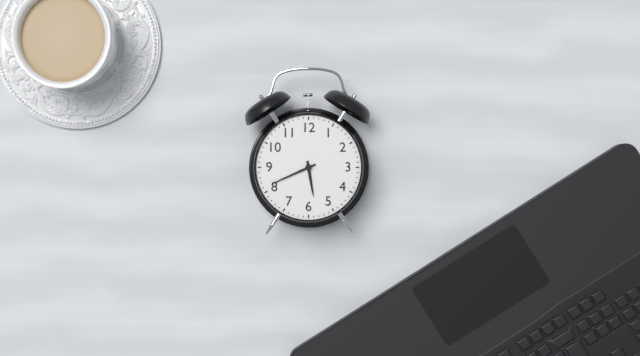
5:41
